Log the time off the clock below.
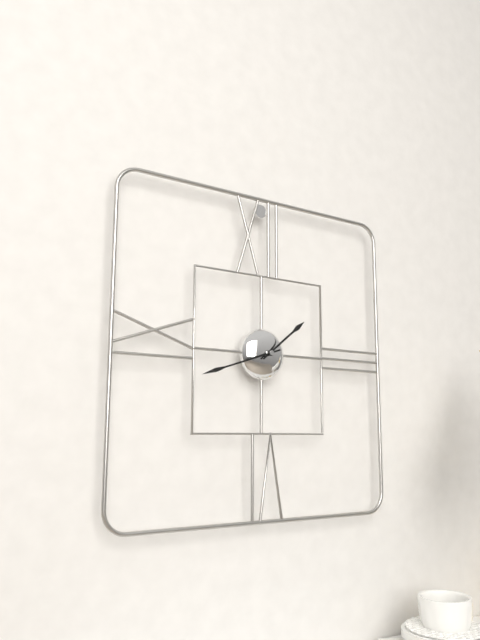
1:42
